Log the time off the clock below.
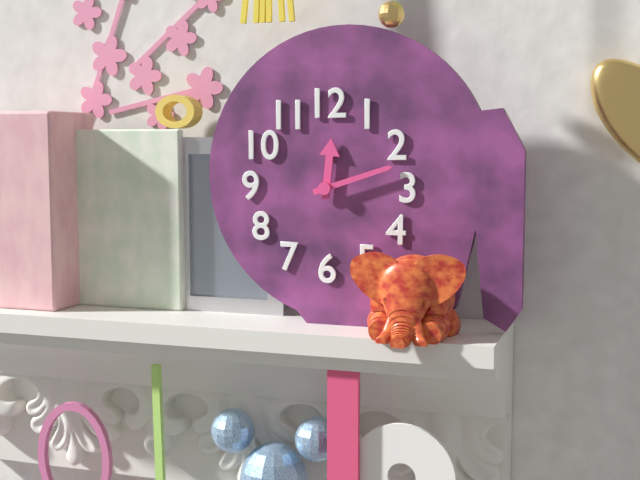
12:12
